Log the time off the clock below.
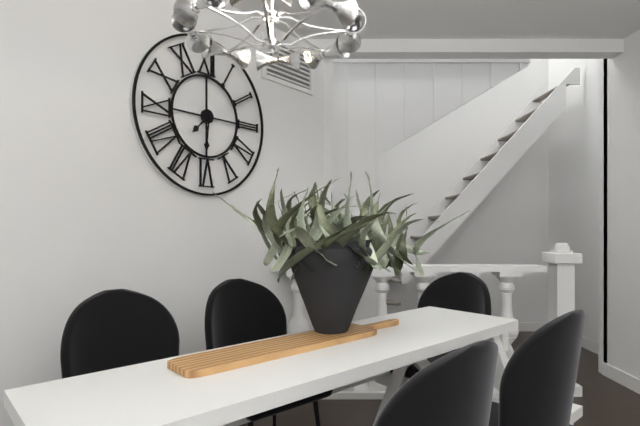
7:31
